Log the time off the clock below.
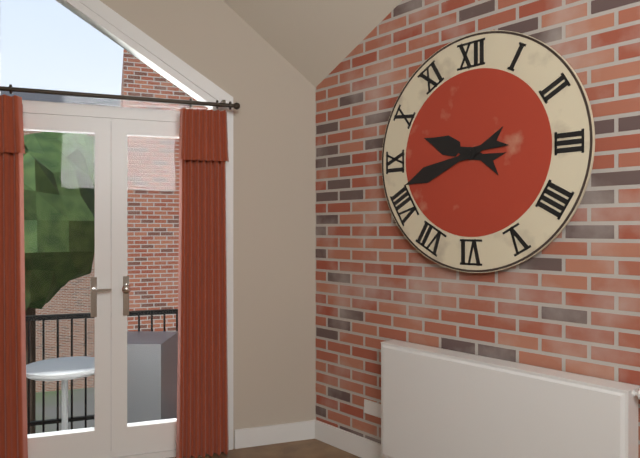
9:42
